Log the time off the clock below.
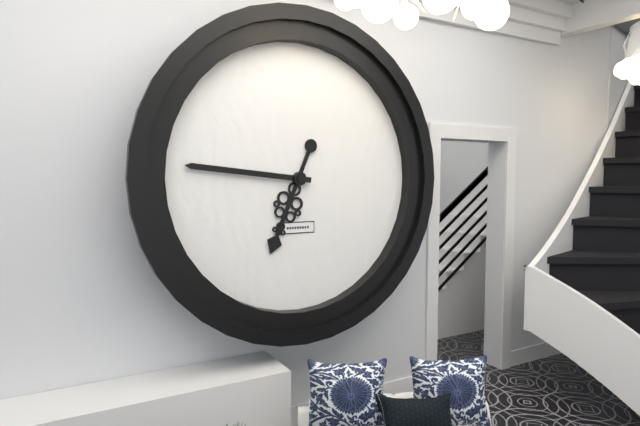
6:46
